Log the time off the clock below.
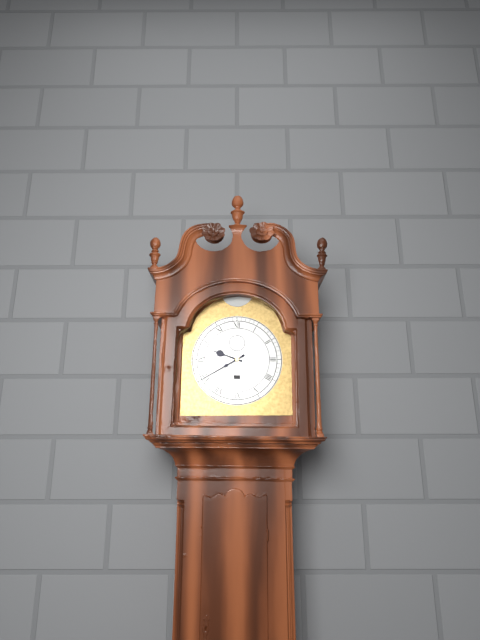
9:40
